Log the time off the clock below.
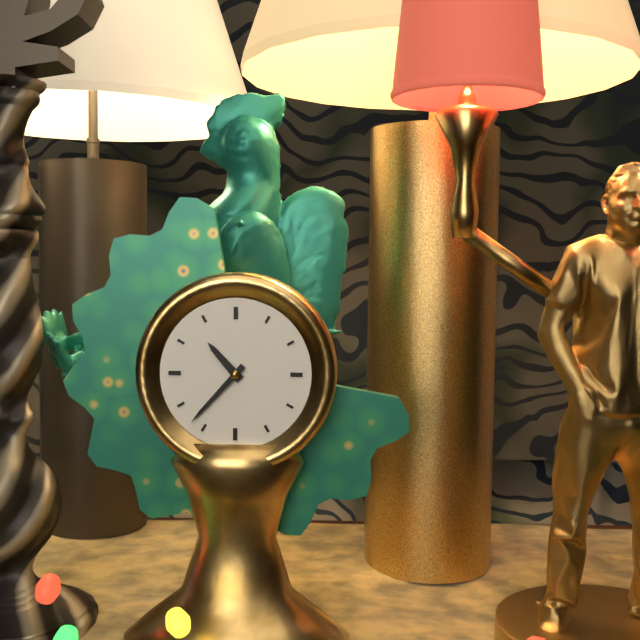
10:37
